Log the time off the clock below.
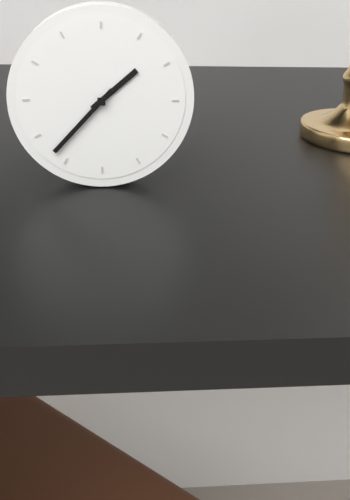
1:37
